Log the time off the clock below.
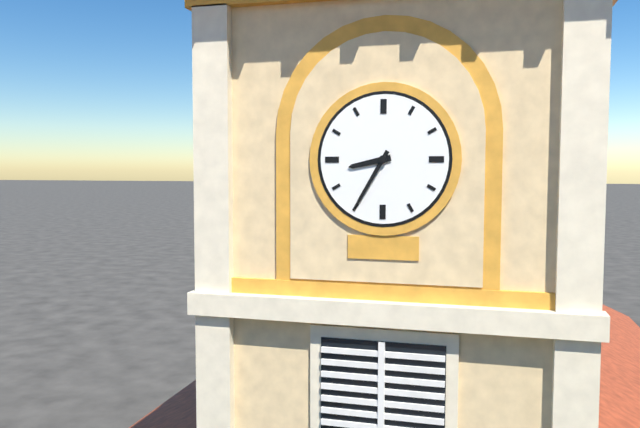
8:35
